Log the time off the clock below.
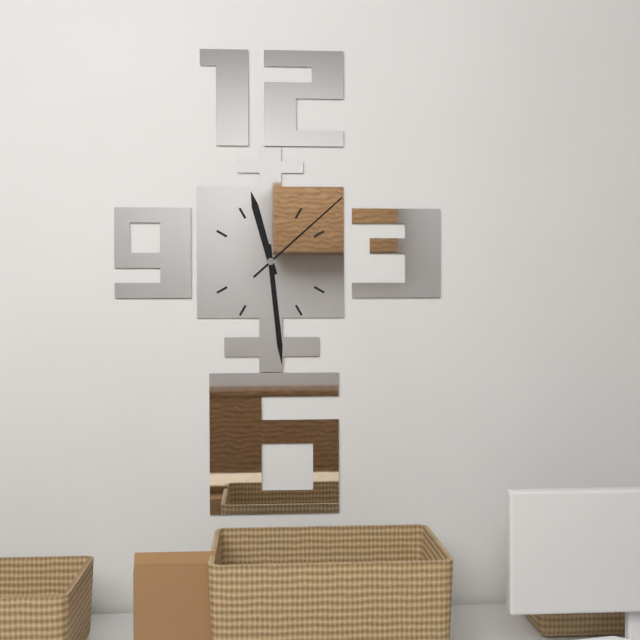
11:29:08
